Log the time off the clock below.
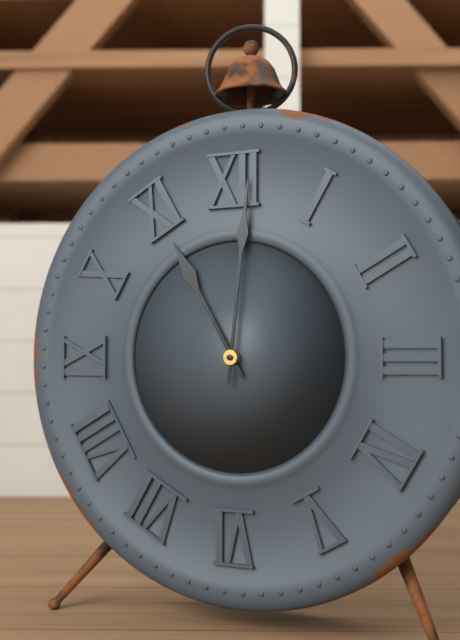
11:01
